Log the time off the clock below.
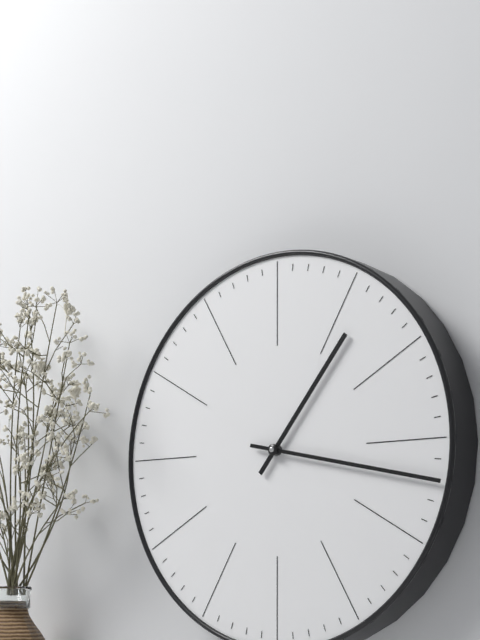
1:17
